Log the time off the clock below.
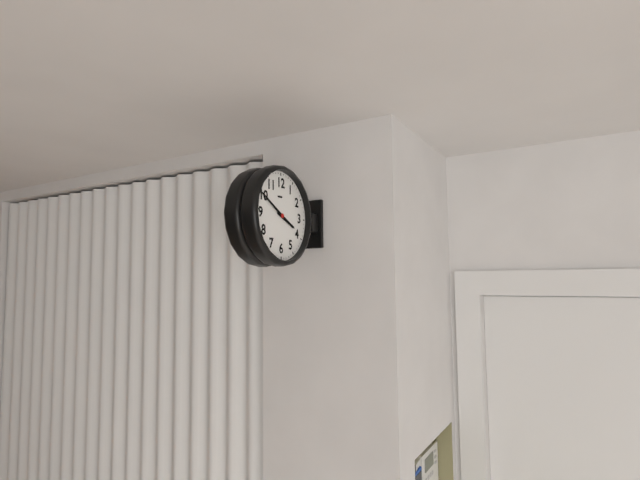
3:50
